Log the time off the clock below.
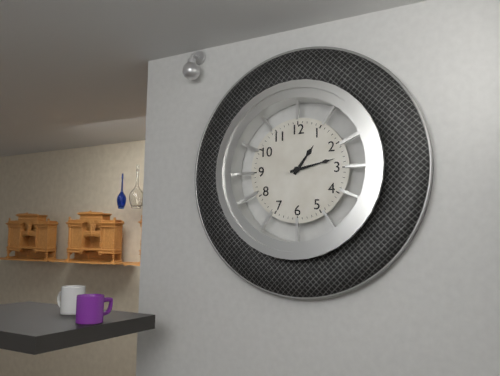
1:13
